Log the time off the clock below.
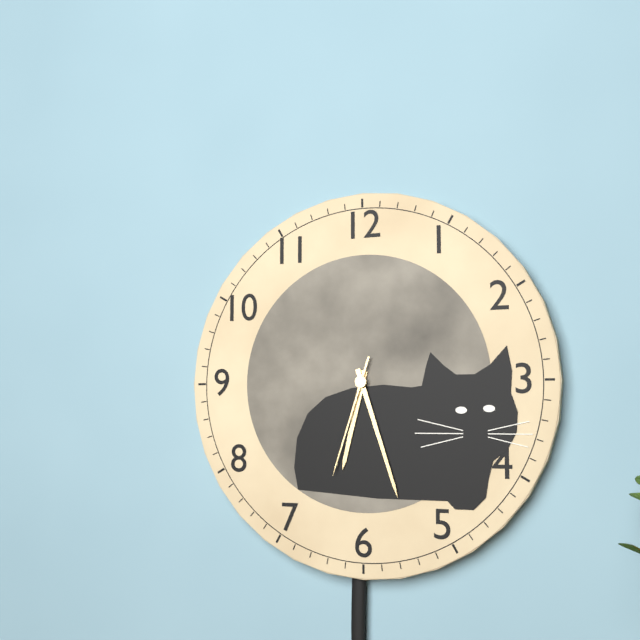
6:27:33
